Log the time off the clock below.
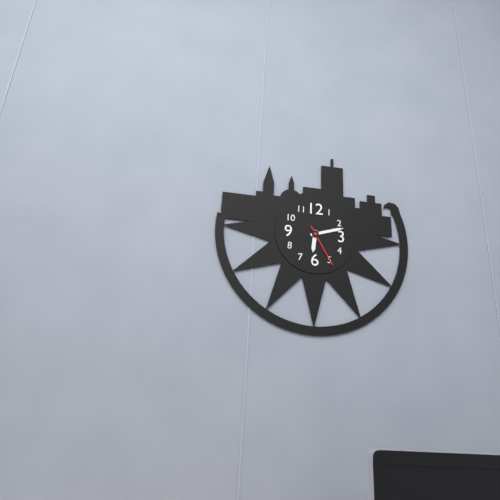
6:12
